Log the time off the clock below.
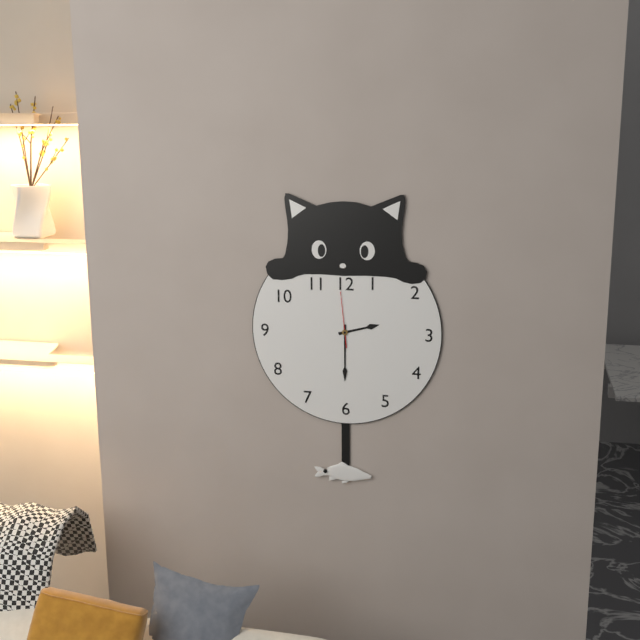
2:30:59
